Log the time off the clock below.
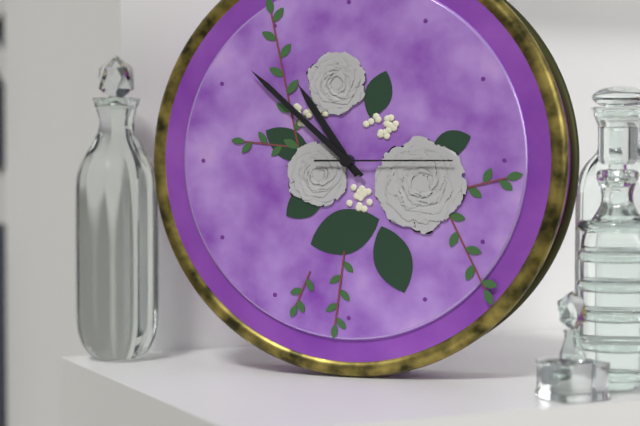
10:52:15
